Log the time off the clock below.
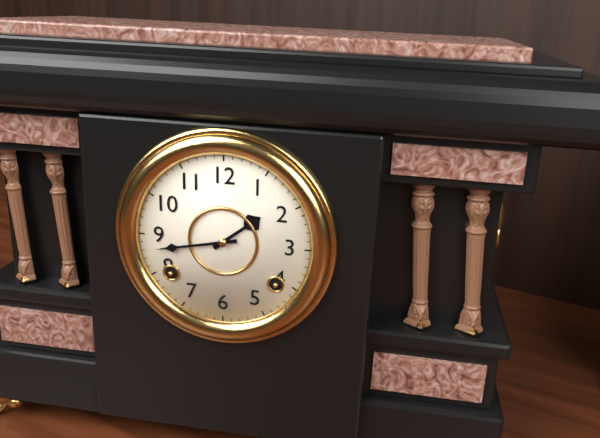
1:43
